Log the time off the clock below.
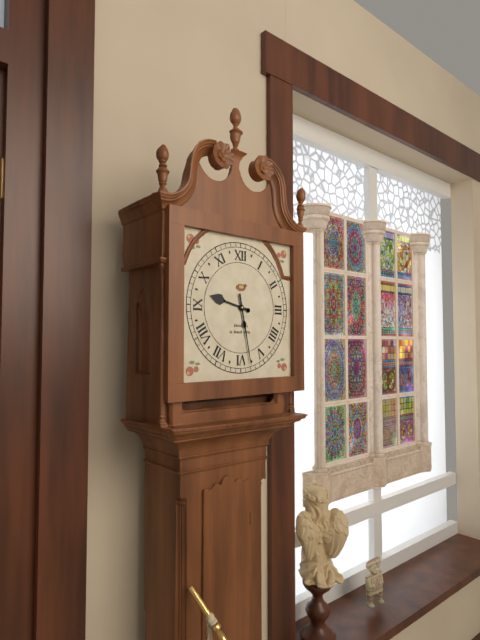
9:28
